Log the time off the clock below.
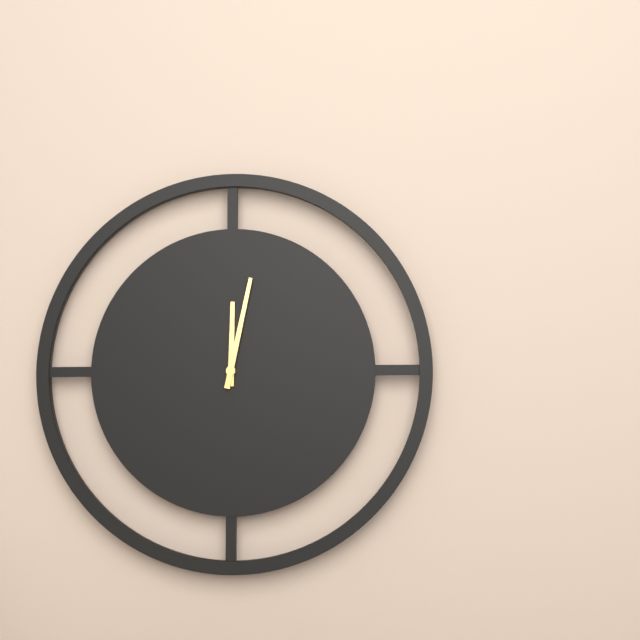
12:02
